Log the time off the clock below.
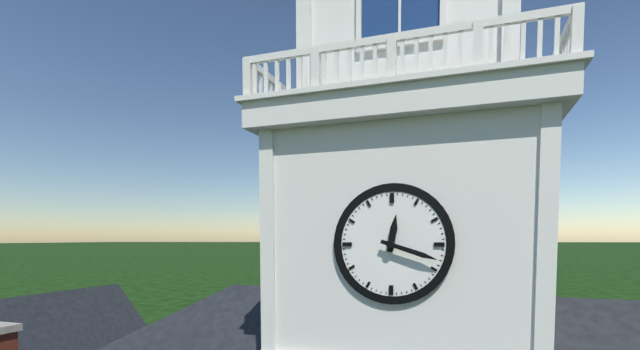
12:18
